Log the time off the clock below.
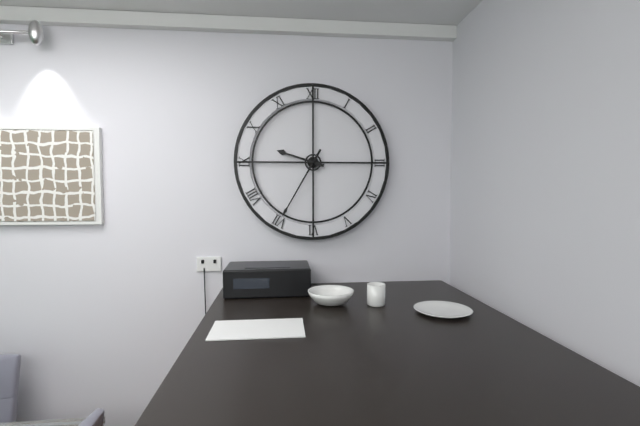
9:35
